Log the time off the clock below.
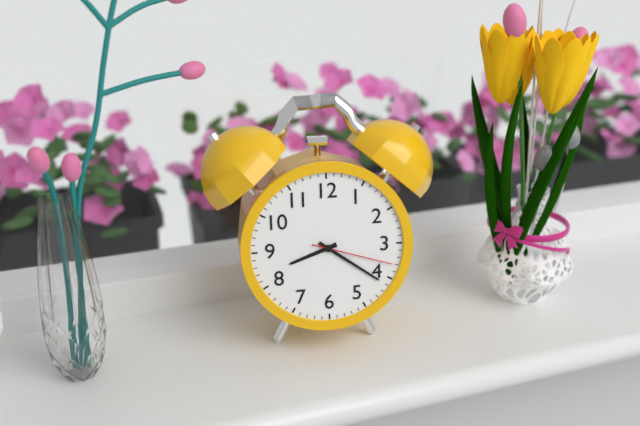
8:21:18
